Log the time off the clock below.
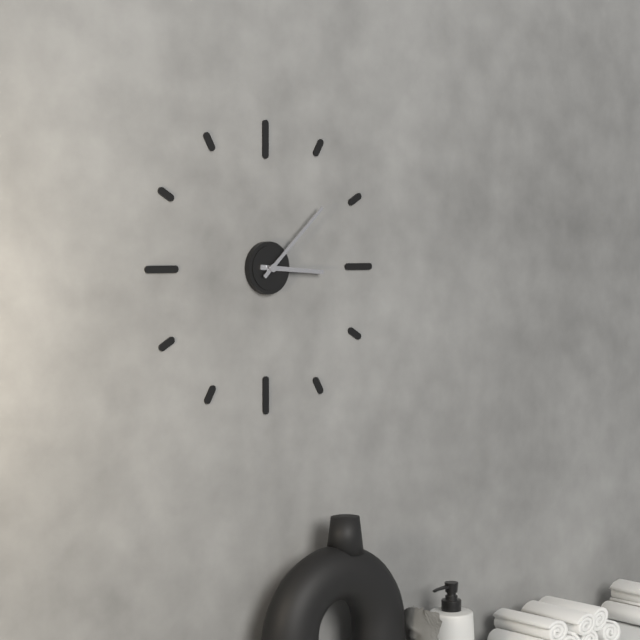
3:08
